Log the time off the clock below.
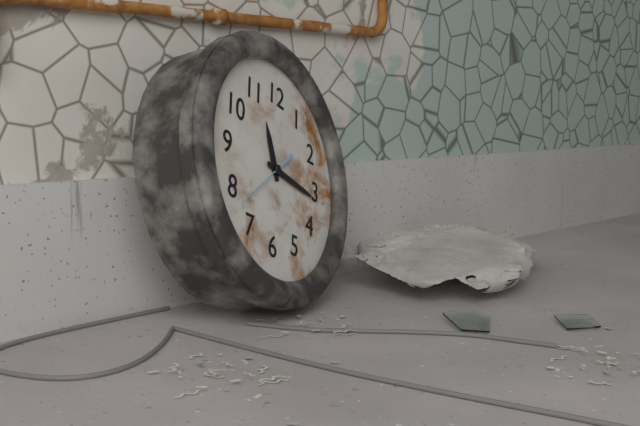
11:16:38
